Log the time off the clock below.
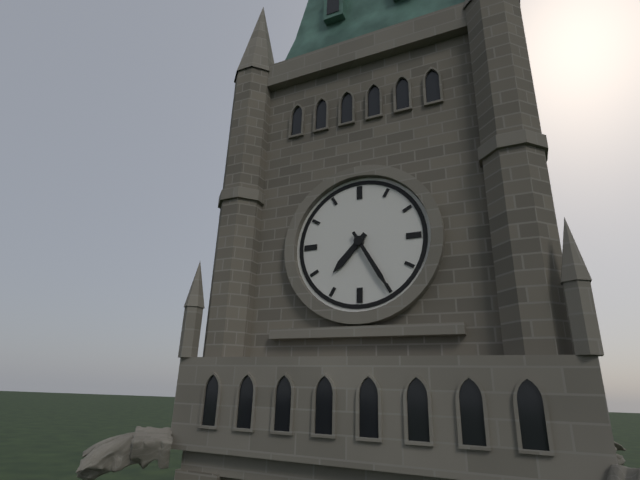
7:25
